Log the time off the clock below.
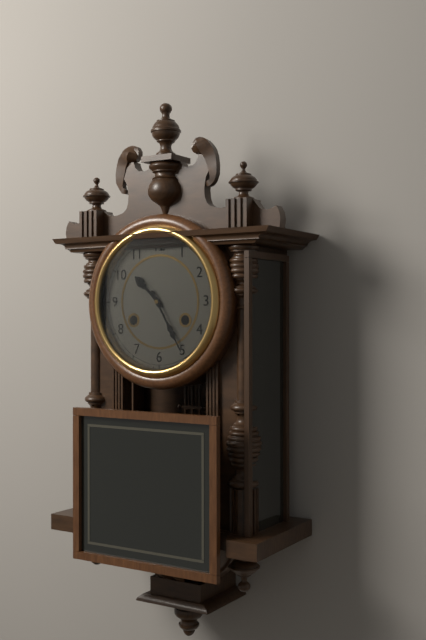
10:25
